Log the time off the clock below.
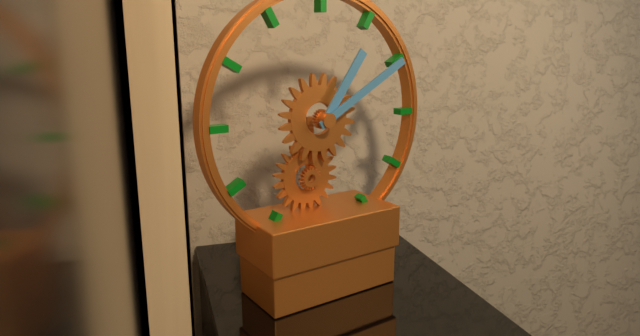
1:10
